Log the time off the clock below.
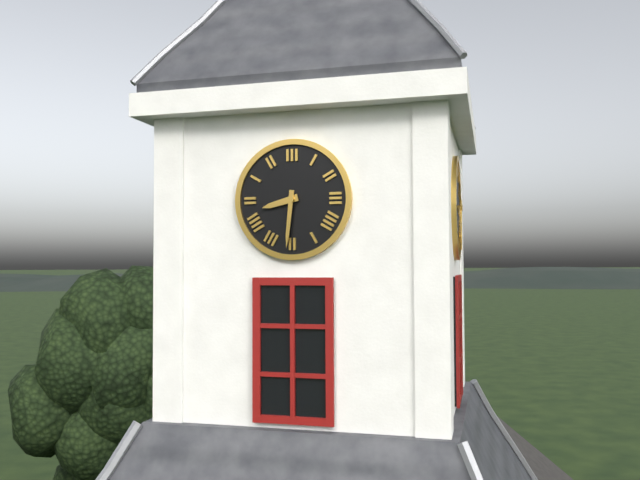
8:31
